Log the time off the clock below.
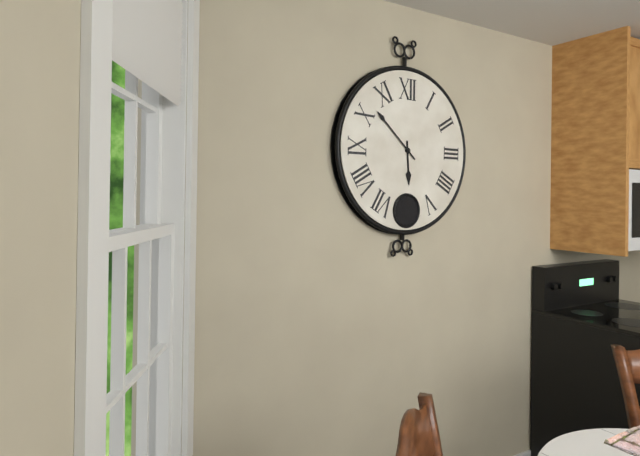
5:52
